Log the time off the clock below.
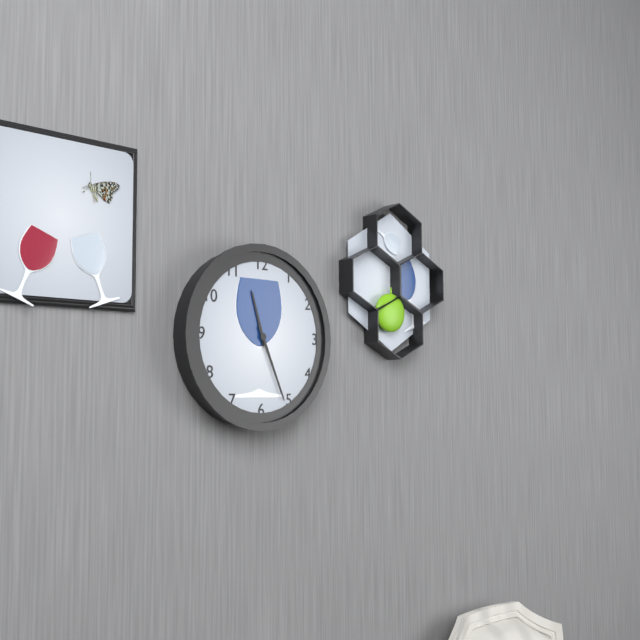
11:26
